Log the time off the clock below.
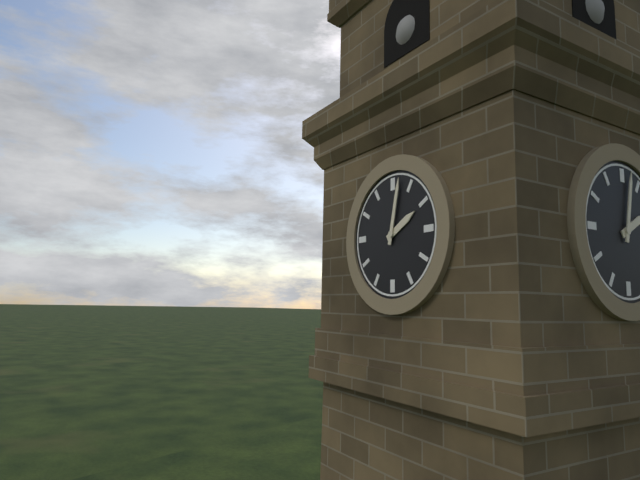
2:02
